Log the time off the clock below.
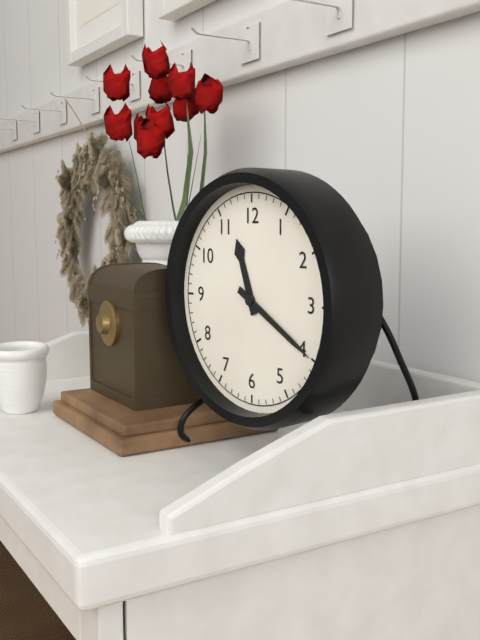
11:20
